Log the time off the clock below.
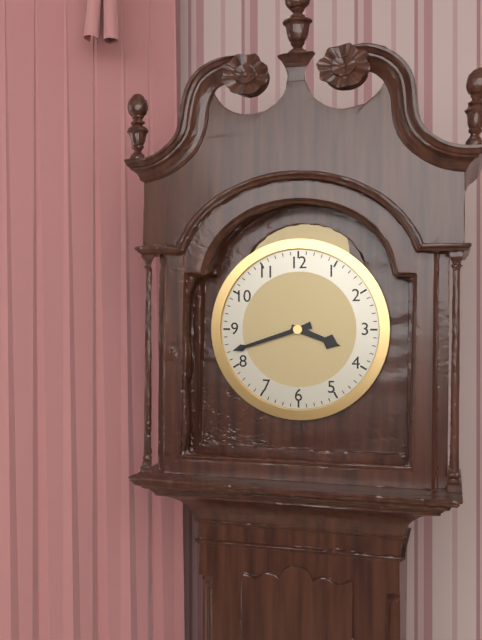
3:42
